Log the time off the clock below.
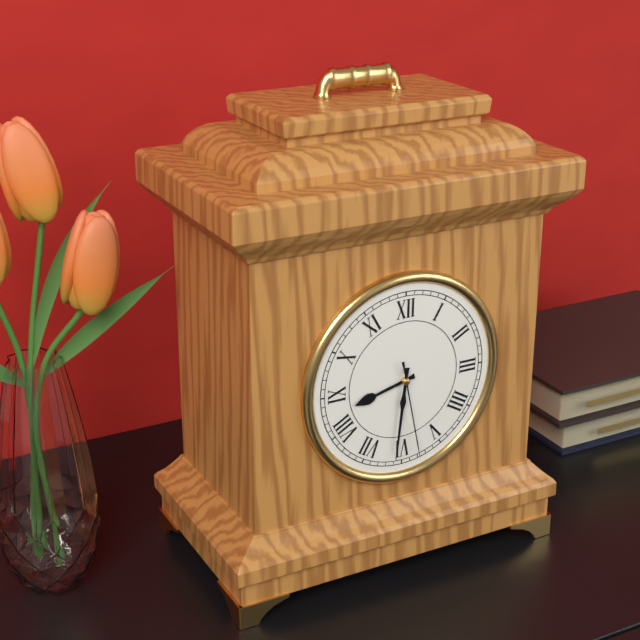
8:31:28
